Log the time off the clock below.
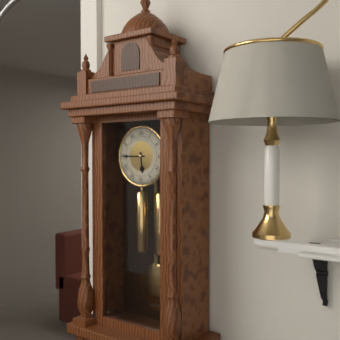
5:45
